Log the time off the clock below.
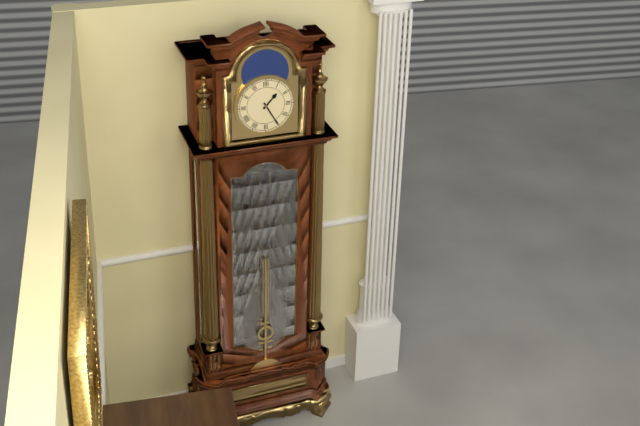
1:25
